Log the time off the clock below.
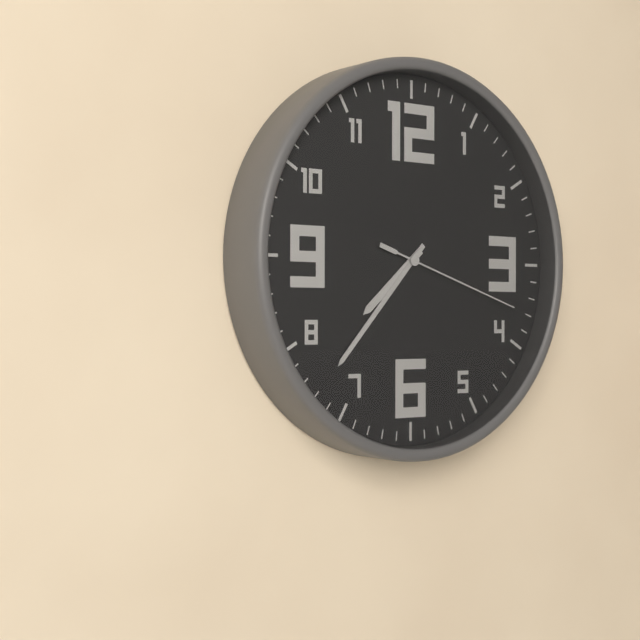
7:37:18
